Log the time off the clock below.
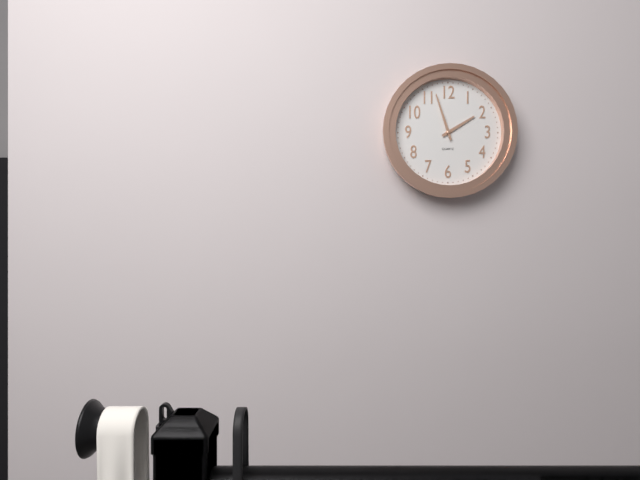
1:57
